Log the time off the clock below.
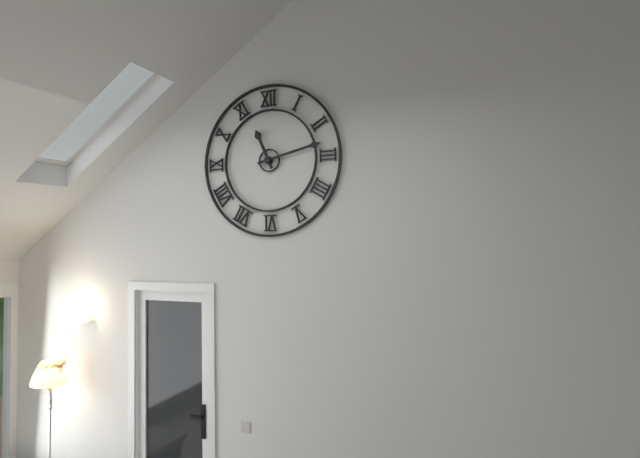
11:13
